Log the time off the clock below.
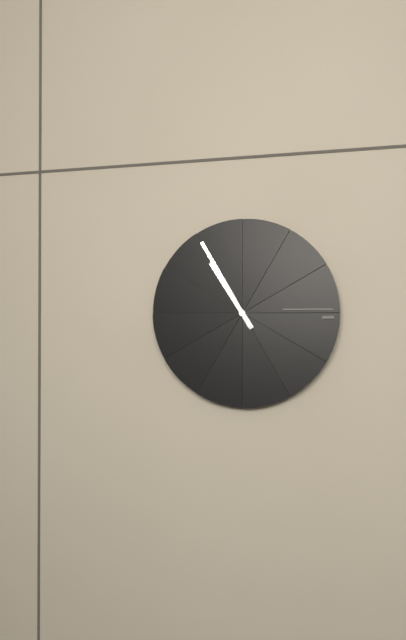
10:55
